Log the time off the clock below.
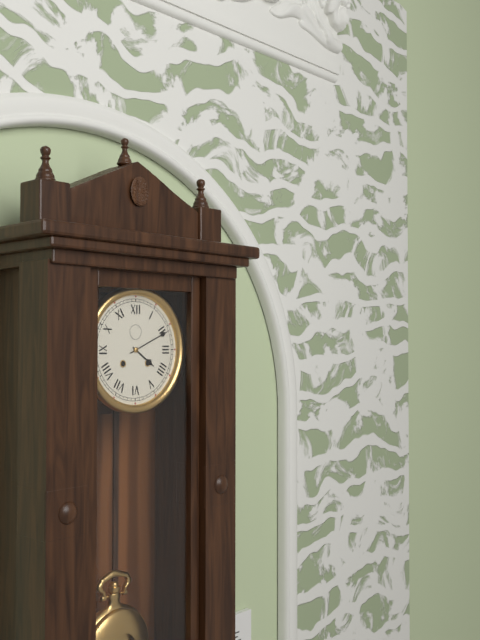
4:11
